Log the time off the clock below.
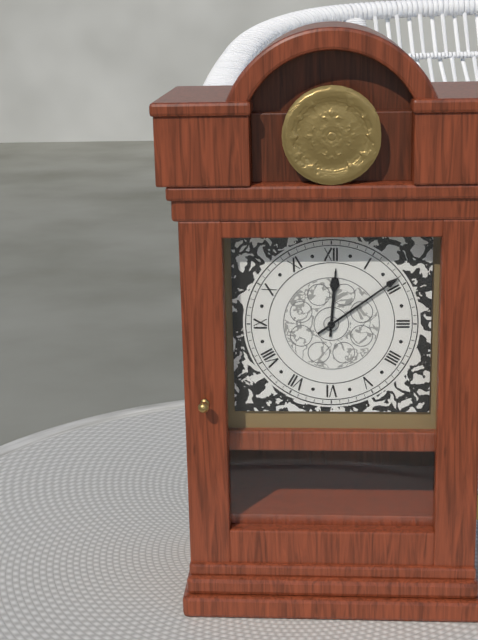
12:09
